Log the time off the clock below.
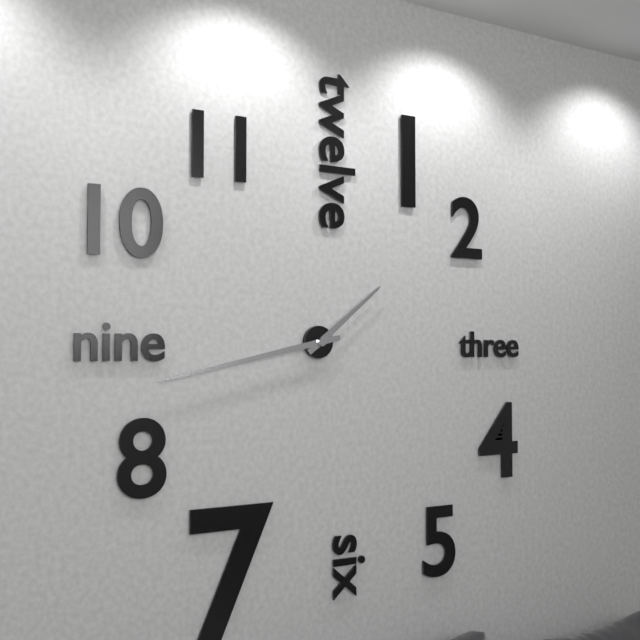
1:43
